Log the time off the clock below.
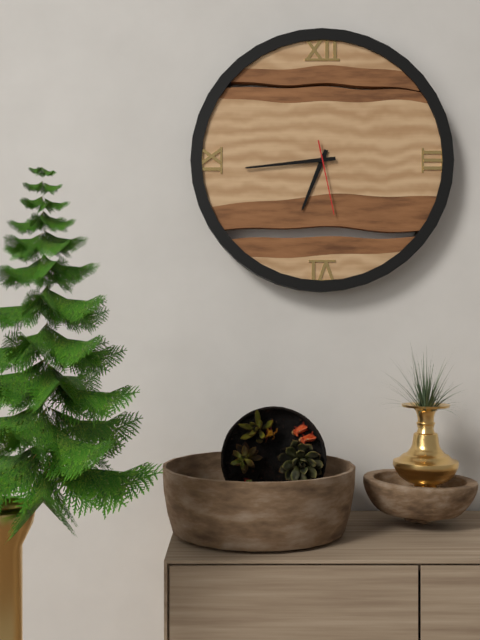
6:44:28
